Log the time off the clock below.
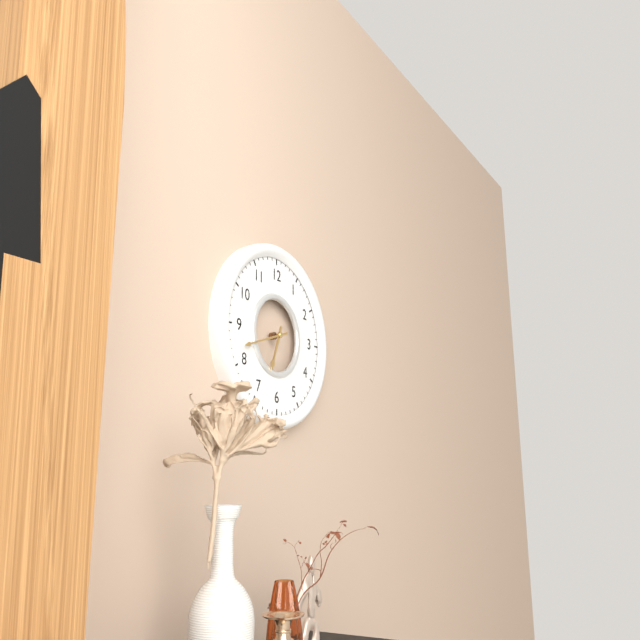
6:42
